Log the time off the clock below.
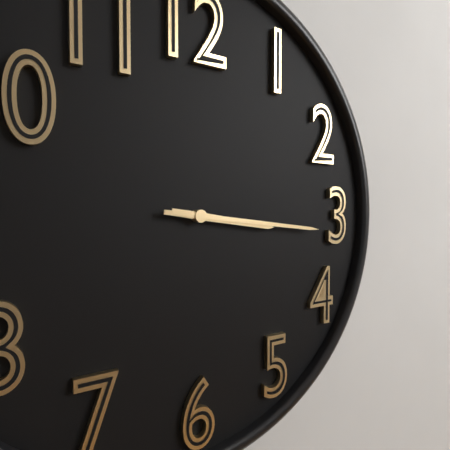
3:16
